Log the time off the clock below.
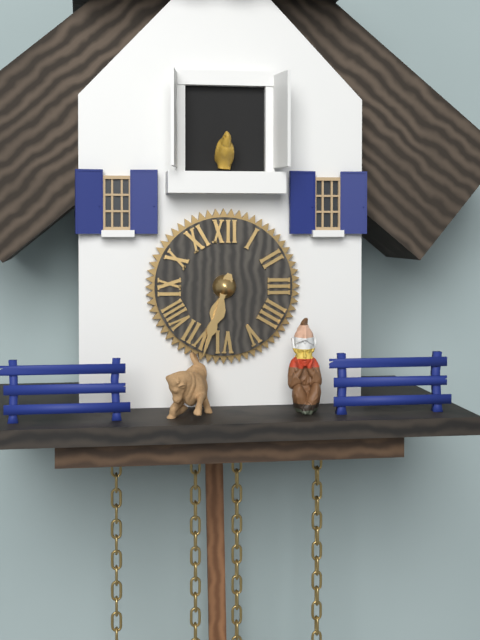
6:33
